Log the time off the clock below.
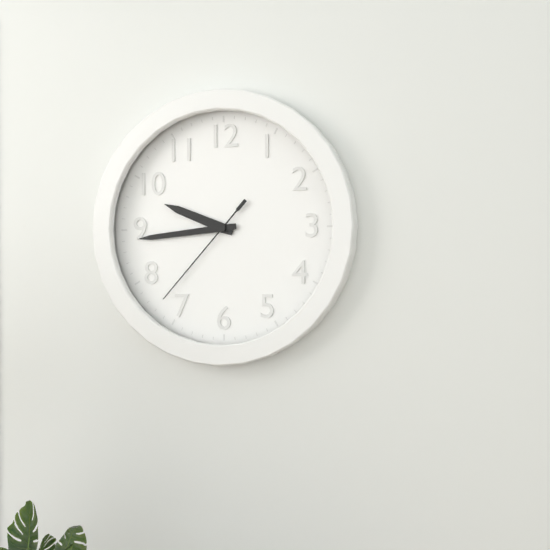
9:44:37
